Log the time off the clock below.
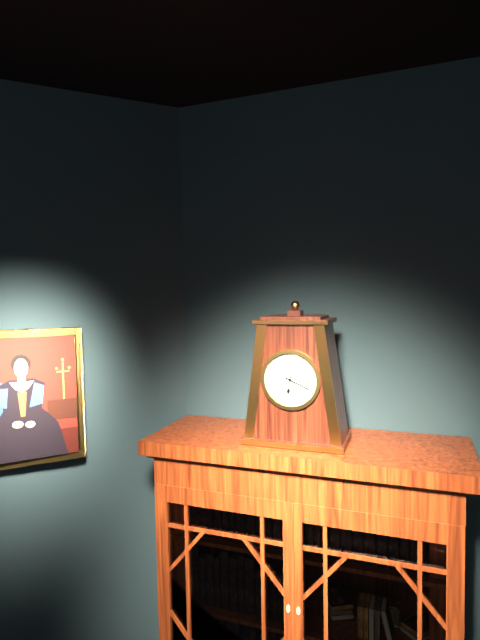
6:19
